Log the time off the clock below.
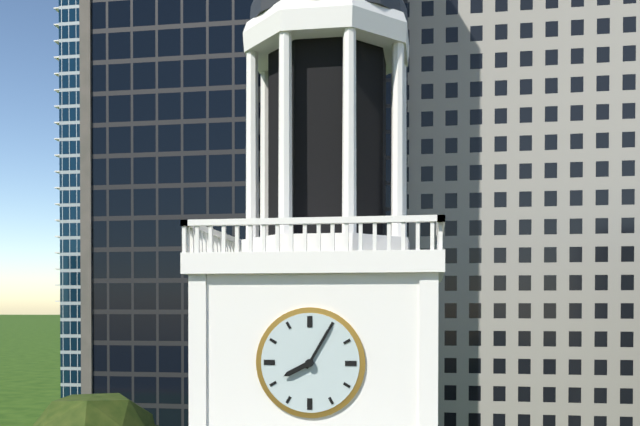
8:05
